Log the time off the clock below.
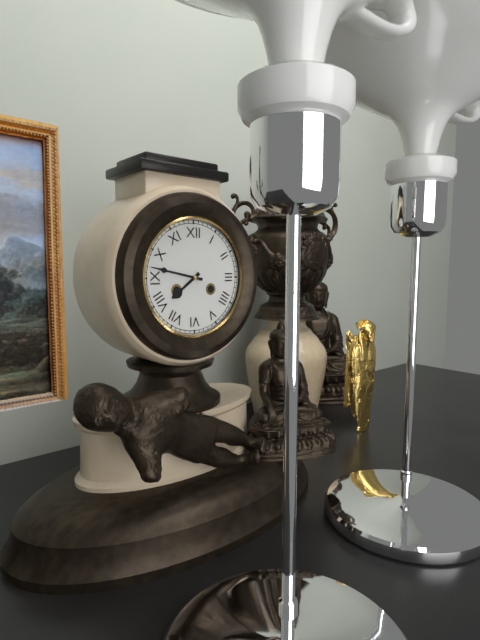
7:47
